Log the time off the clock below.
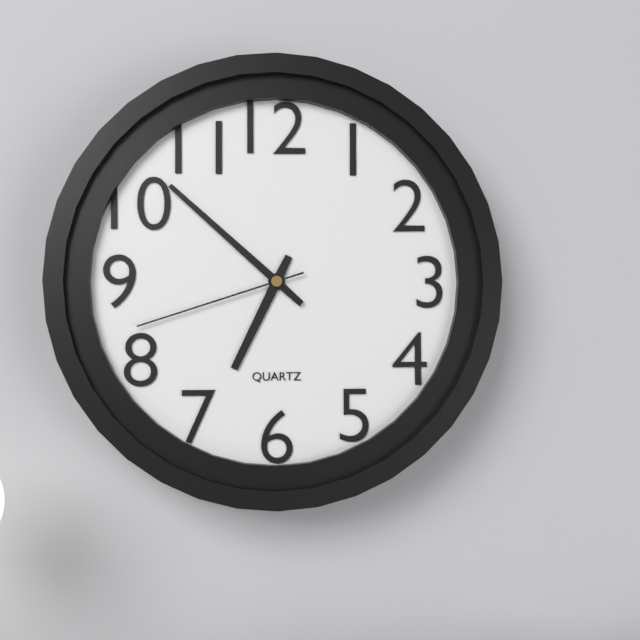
6:52:42
